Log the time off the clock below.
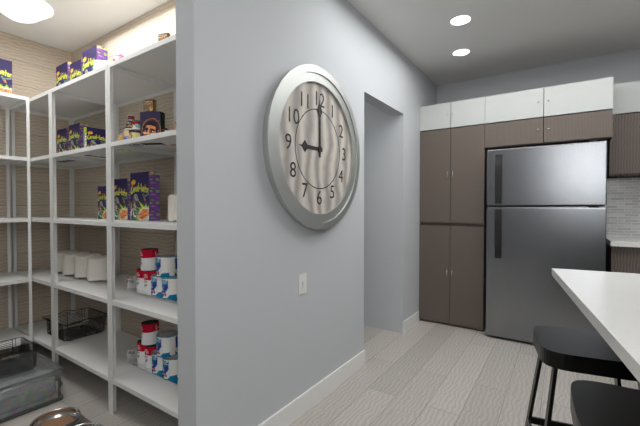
9:00
